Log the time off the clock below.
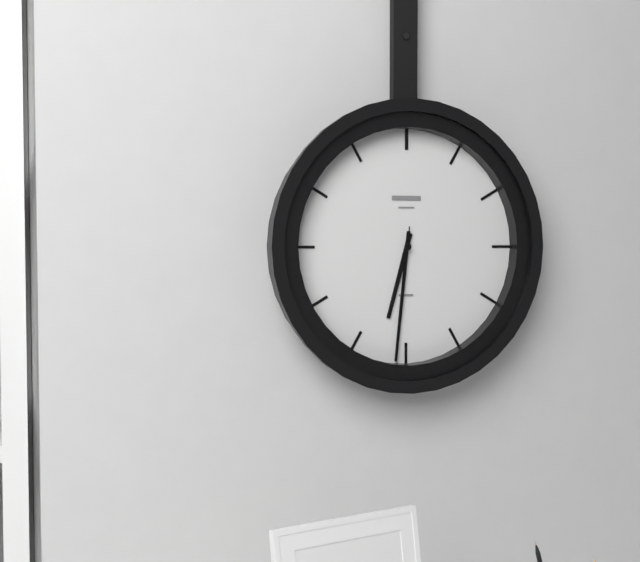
6:31:31
